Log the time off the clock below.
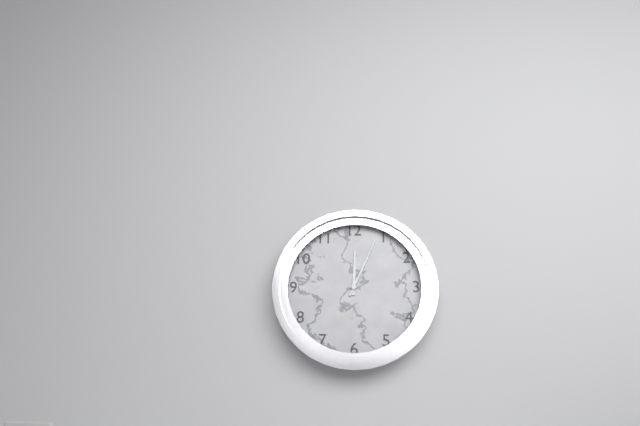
12:04
